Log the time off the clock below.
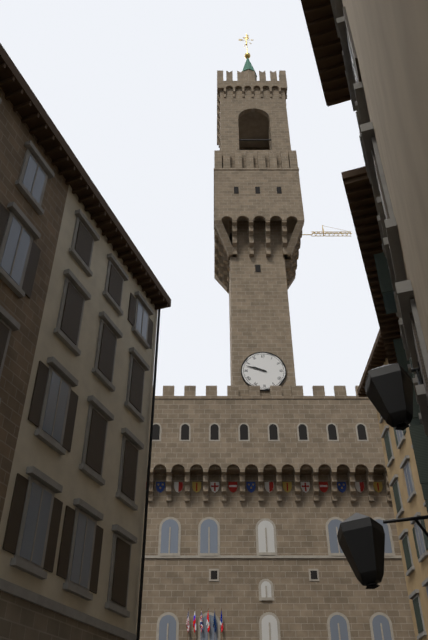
9:48
